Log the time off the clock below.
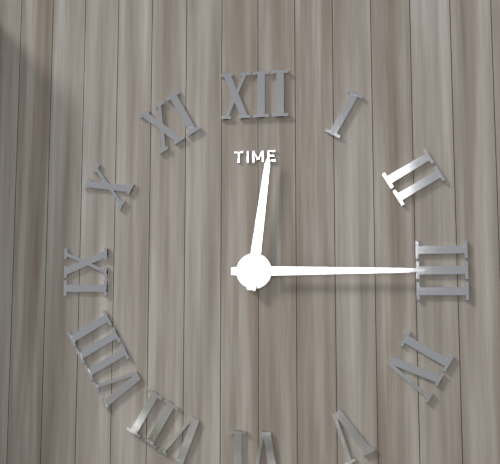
12:15
